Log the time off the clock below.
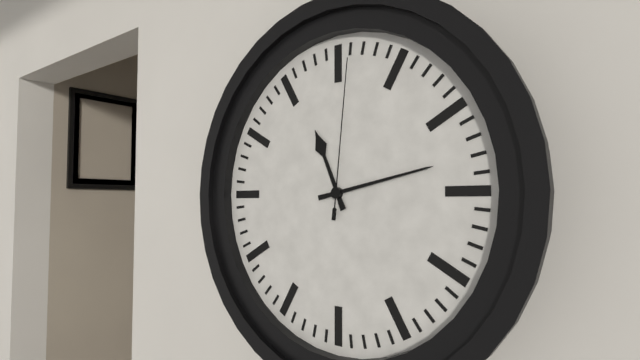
11:13:01
